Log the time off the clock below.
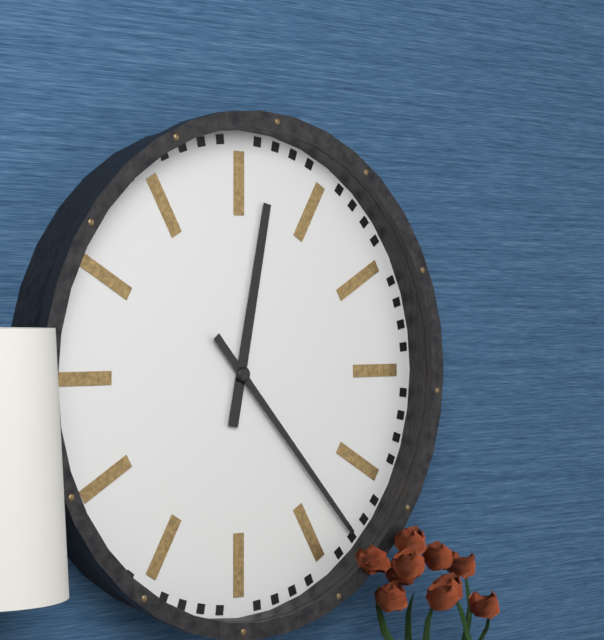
12:23
